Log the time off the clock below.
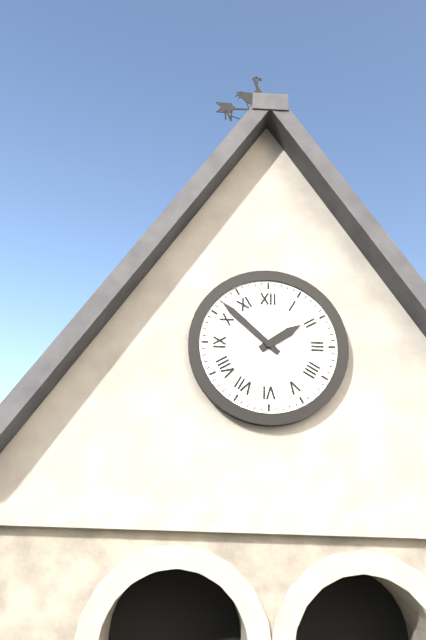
1:52
